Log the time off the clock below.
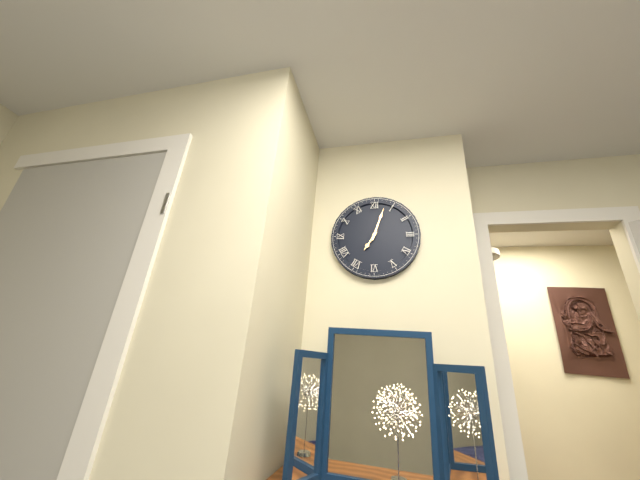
7:03
